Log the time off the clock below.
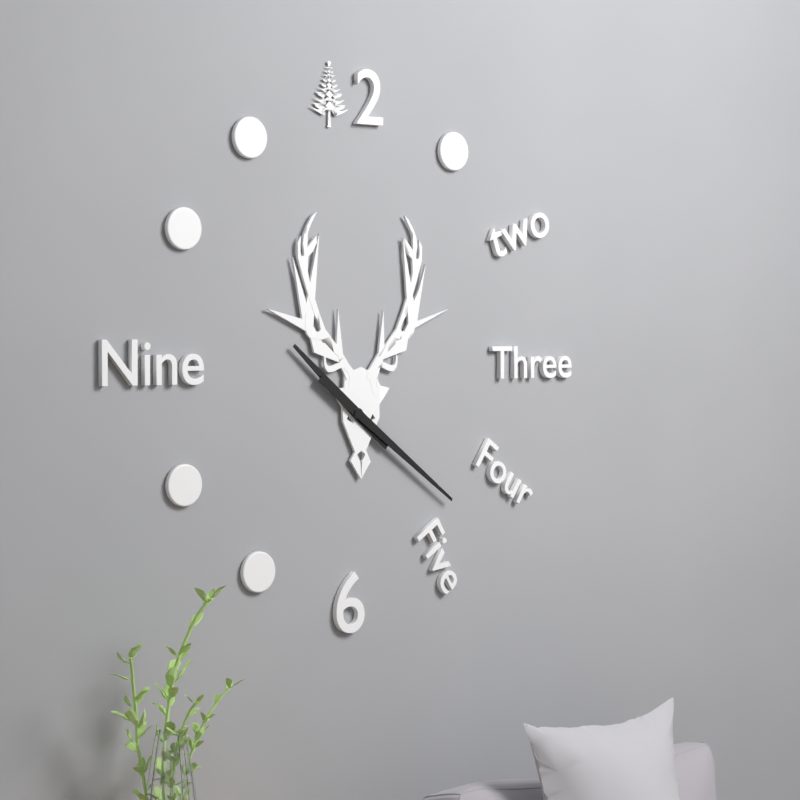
10:21
